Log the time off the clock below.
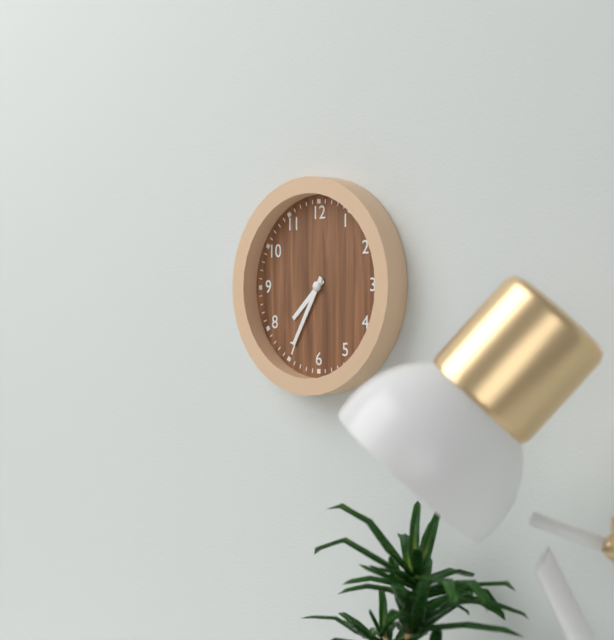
7:35
